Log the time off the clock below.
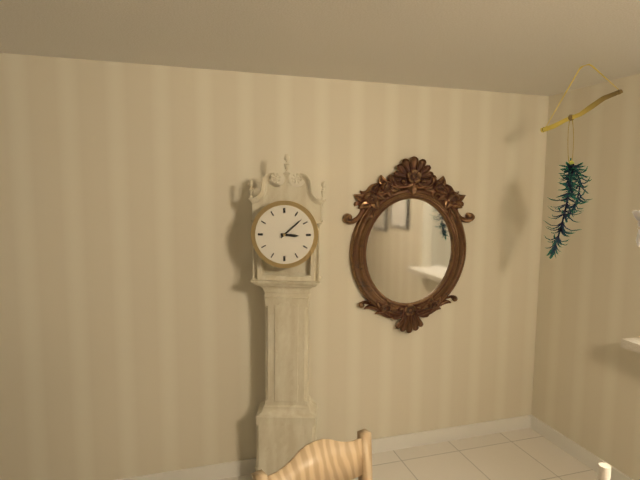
3:08
